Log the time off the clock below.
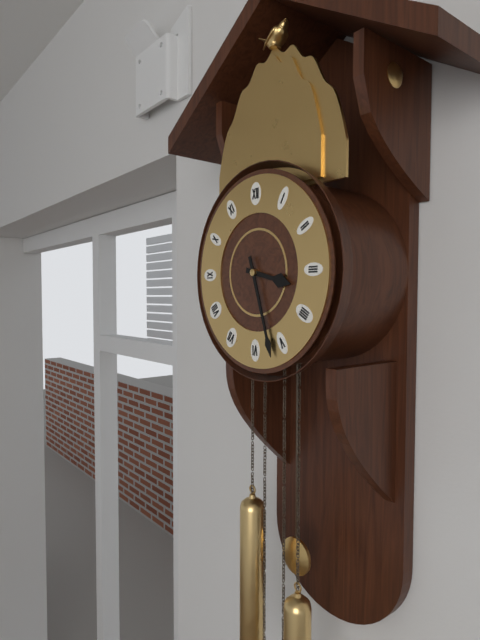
3:27
